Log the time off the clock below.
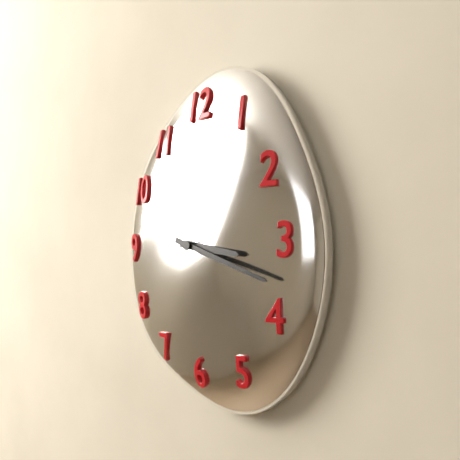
3:18
